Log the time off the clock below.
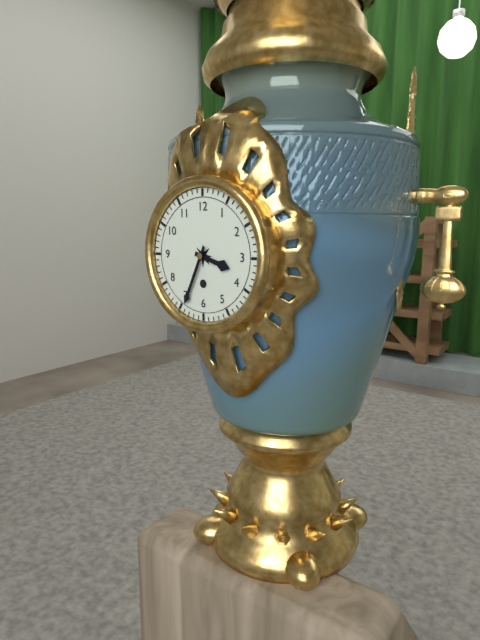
3:34
